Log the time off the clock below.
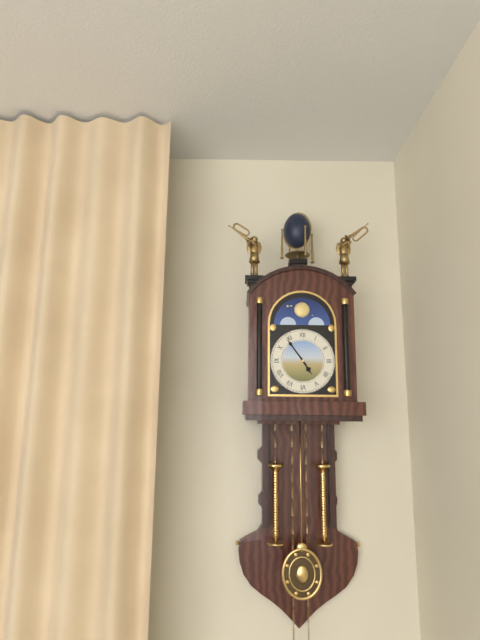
4:54
